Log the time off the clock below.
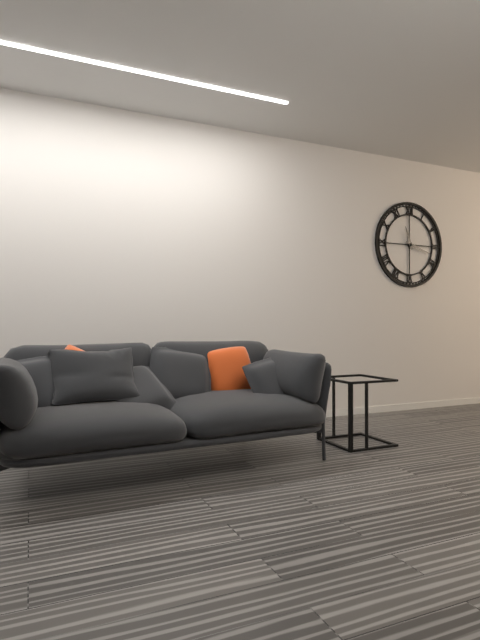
11:18
